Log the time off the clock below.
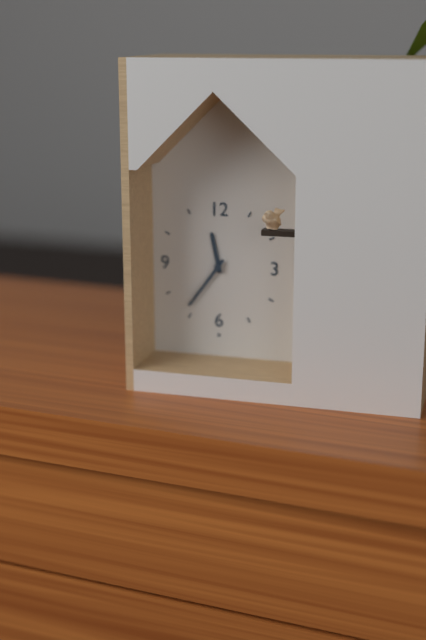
11:36
